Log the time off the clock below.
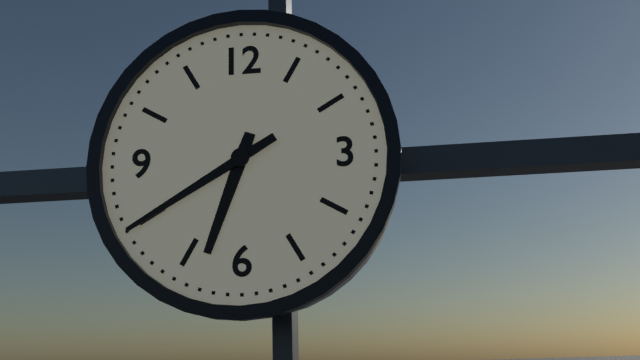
6:40
